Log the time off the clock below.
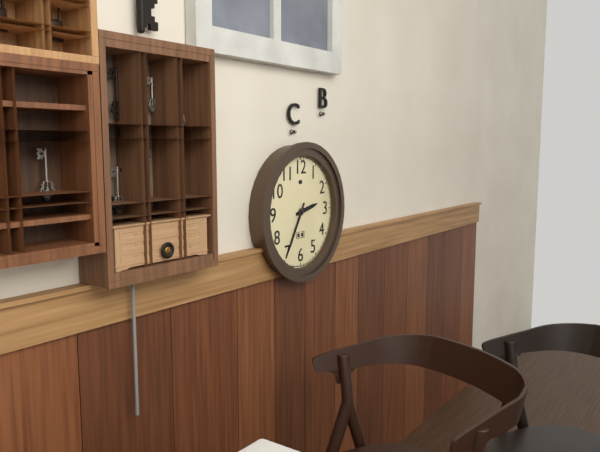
2:35
